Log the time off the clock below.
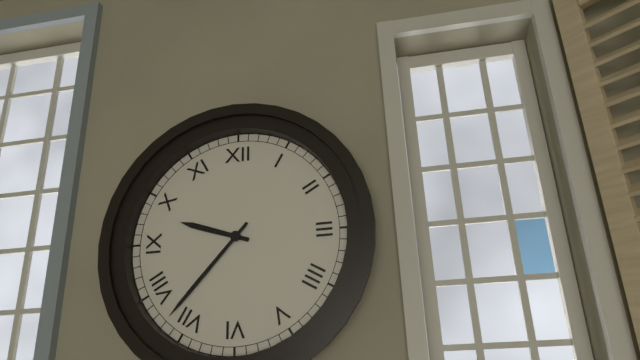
9:37
